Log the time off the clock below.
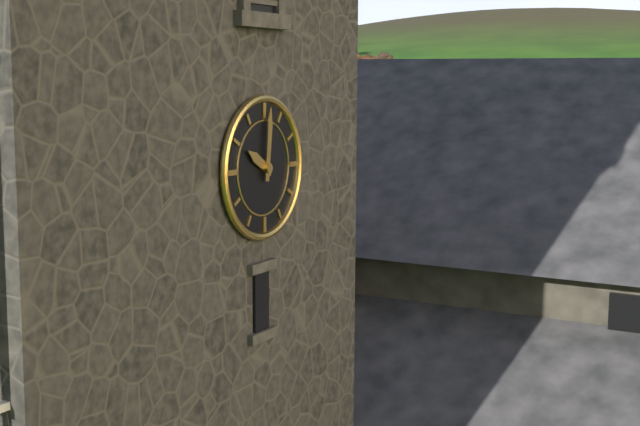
10:01
